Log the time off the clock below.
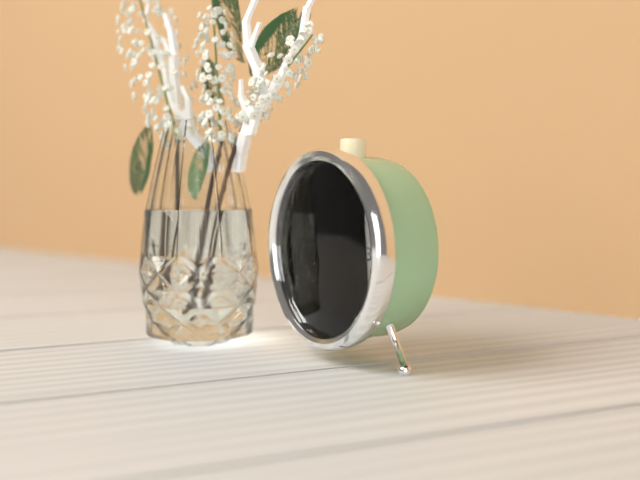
3:43
